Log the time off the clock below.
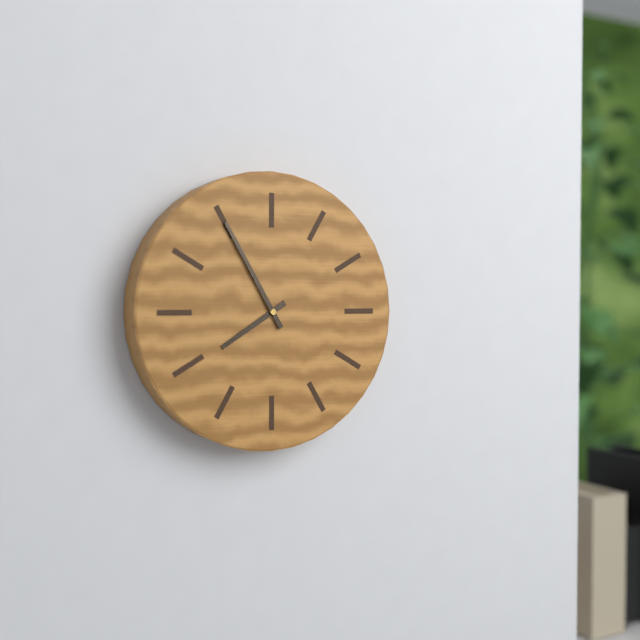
7:55
